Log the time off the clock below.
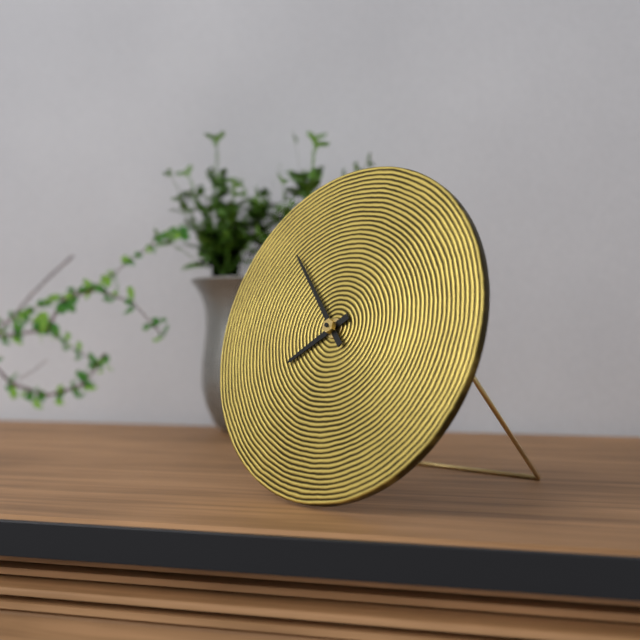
7:53
